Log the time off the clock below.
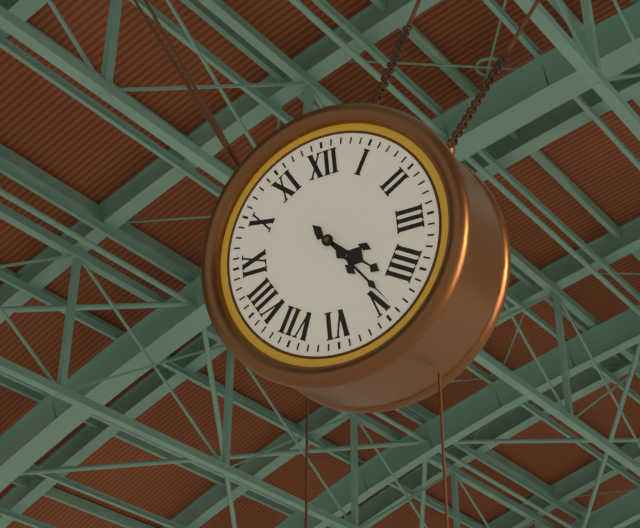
4:24
